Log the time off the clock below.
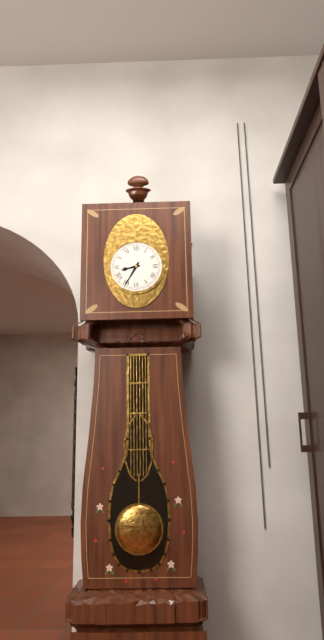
8:35
